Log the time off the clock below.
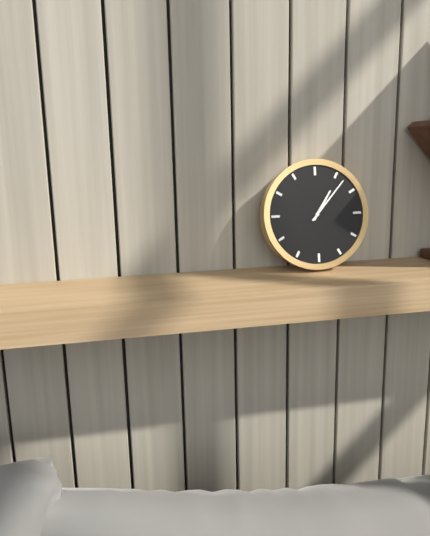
1:07
